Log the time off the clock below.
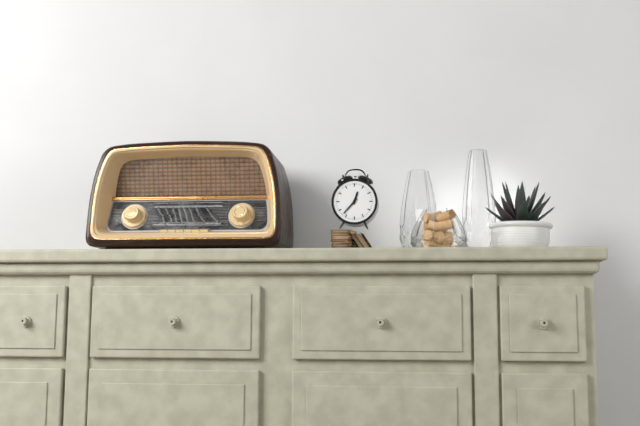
12:37
